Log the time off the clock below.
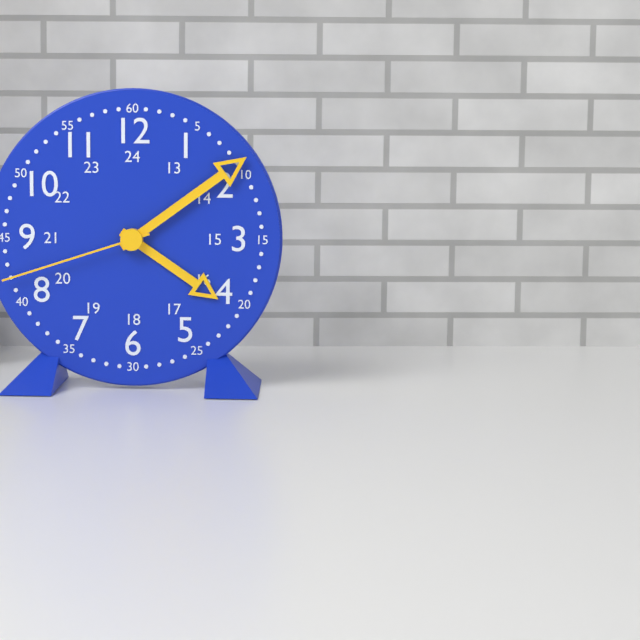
4:09:42
